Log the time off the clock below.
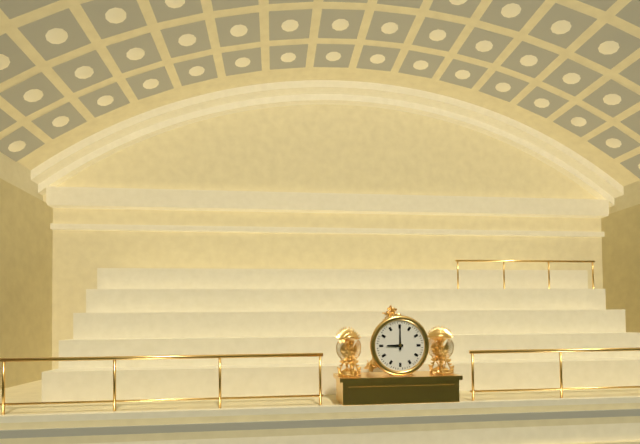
9:00
